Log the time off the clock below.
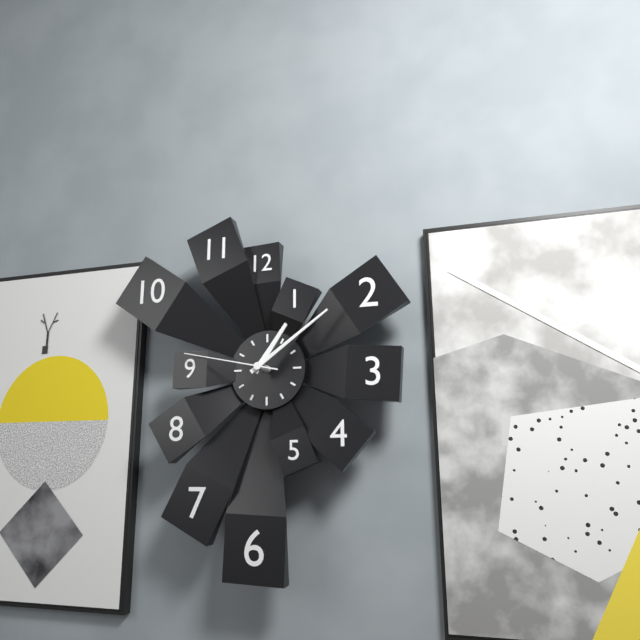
1:09:47
